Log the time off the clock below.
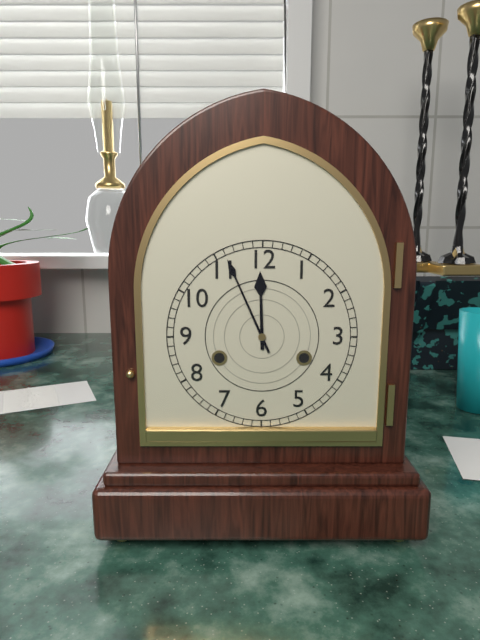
11:56
